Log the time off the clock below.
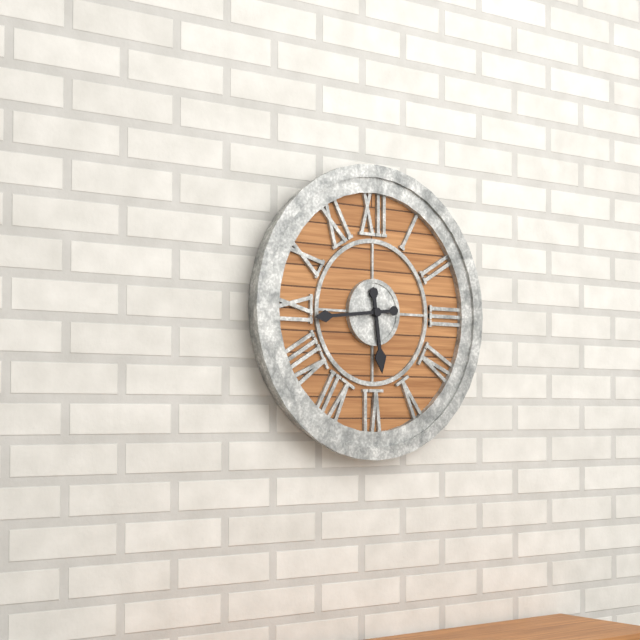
5:44
